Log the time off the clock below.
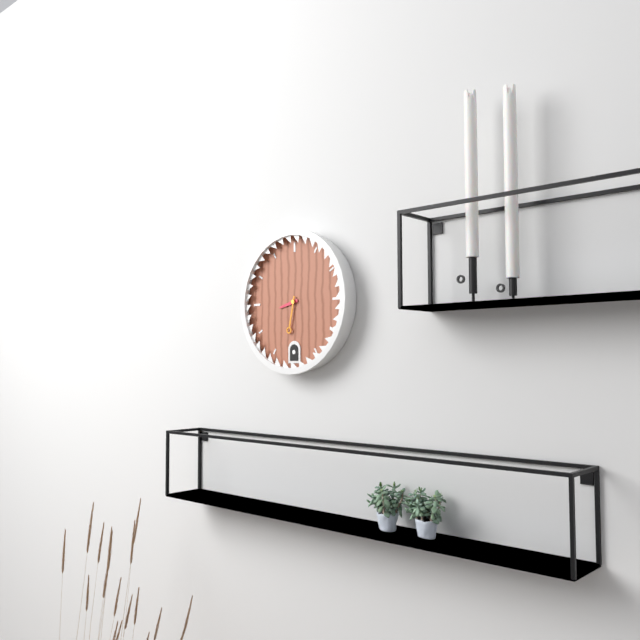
8:32
